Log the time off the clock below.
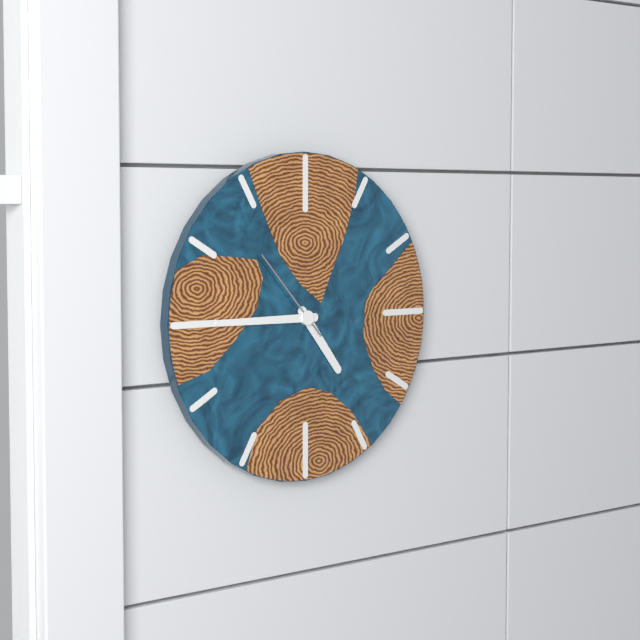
4:45:53
